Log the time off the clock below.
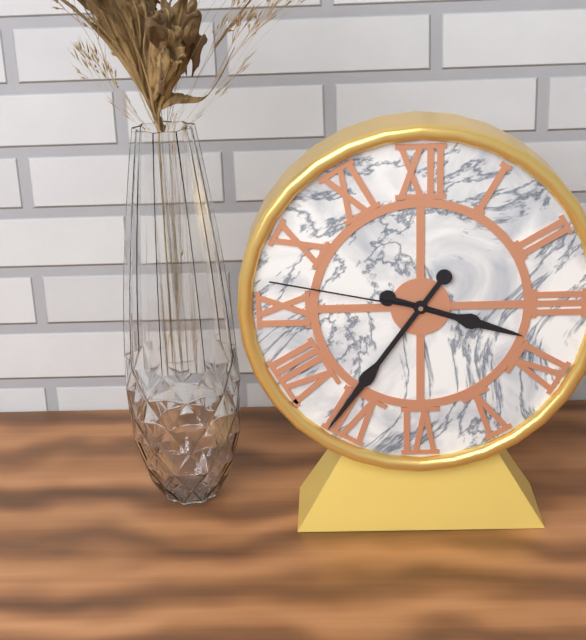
3:36:47
